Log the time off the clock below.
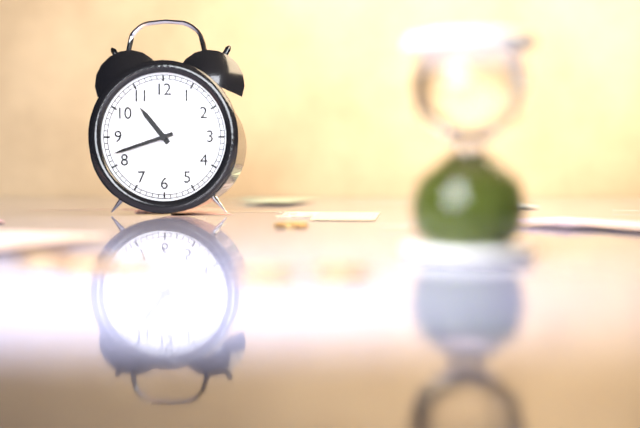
10:42
